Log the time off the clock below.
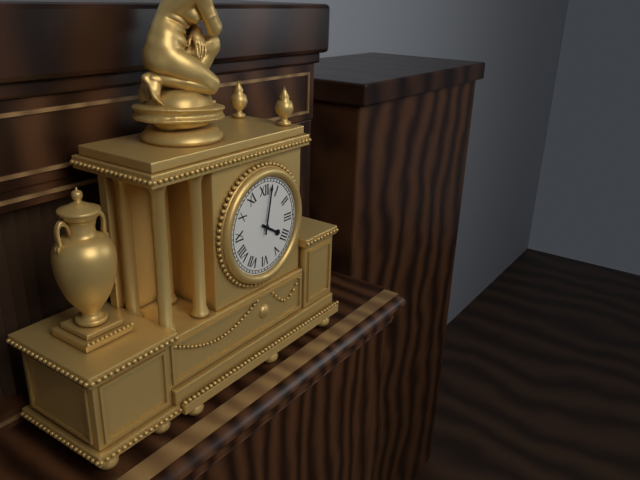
4:02
